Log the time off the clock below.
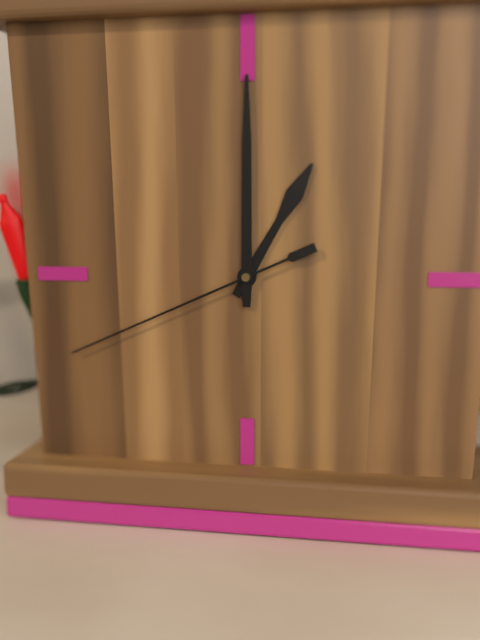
1:00:41
